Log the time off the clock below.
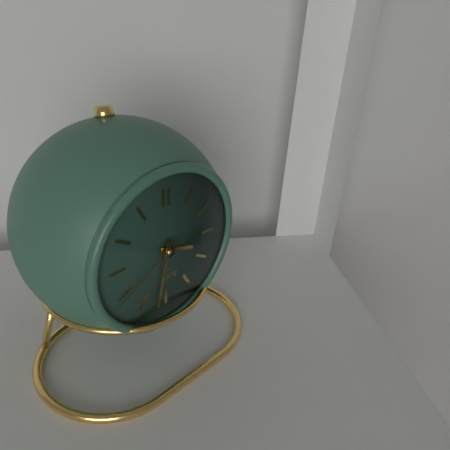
3:32:40
